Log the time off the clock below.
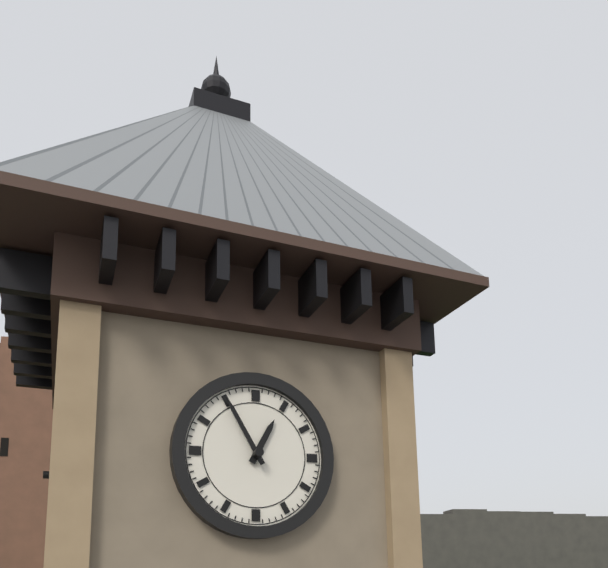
12:55
